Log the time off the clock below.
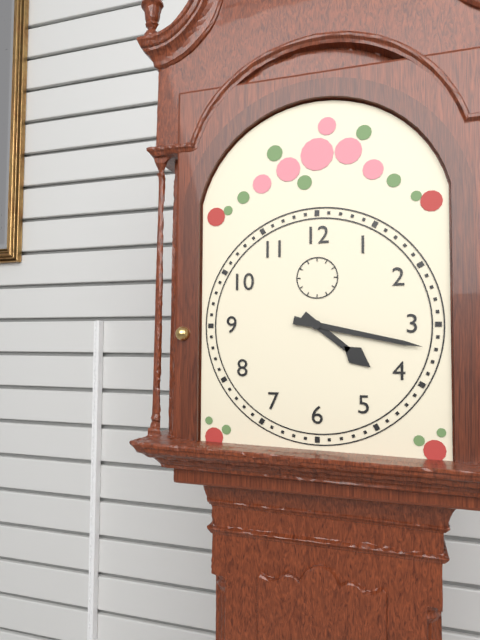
4:17
